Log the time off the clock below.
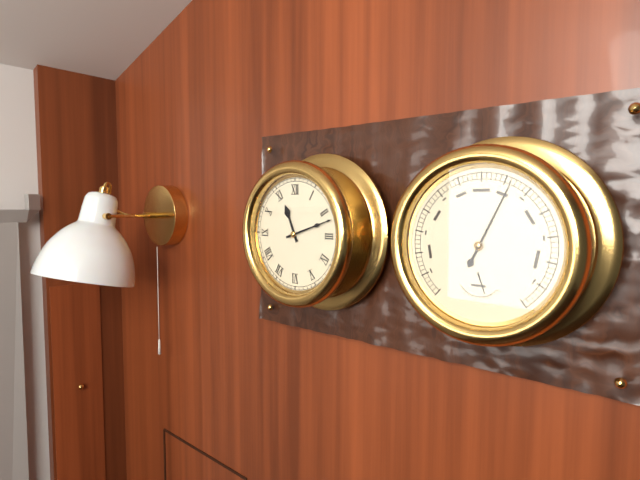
11:12
